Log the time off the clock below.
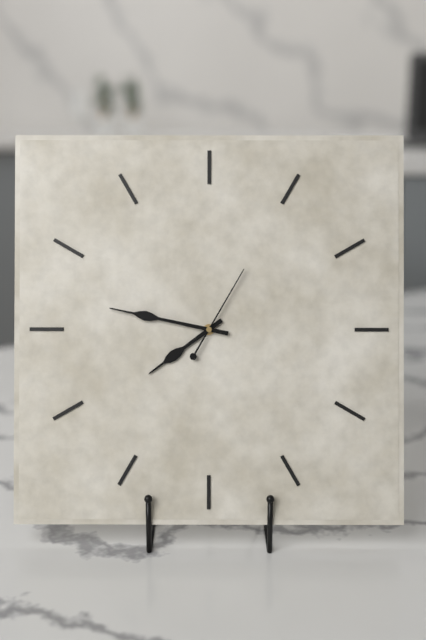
7:47:05
